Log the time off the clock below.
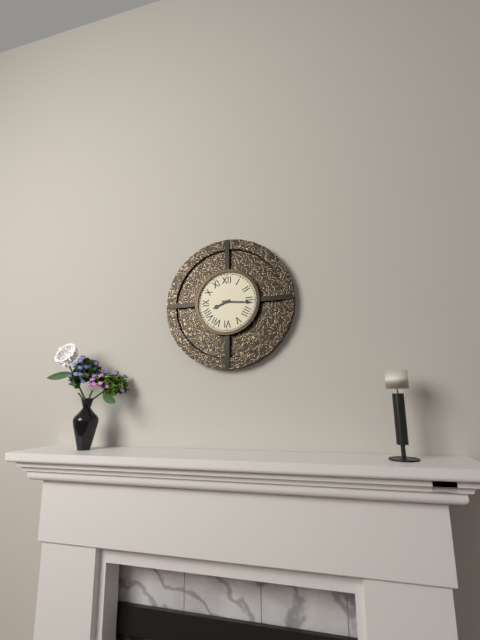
8:16
